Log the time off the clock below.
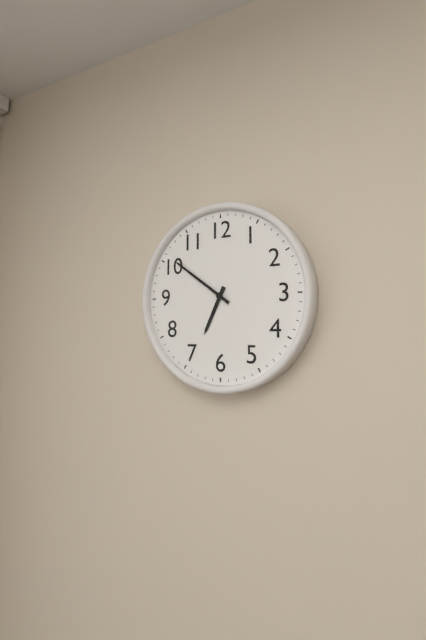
6:51
